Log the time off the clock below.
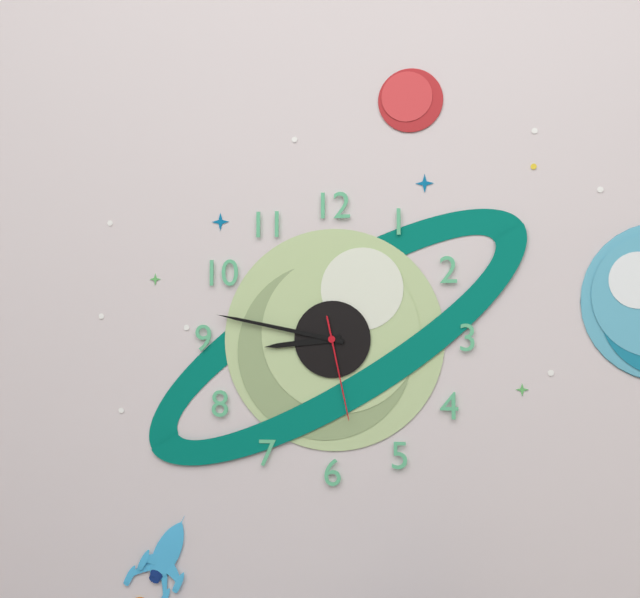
8:47:28
